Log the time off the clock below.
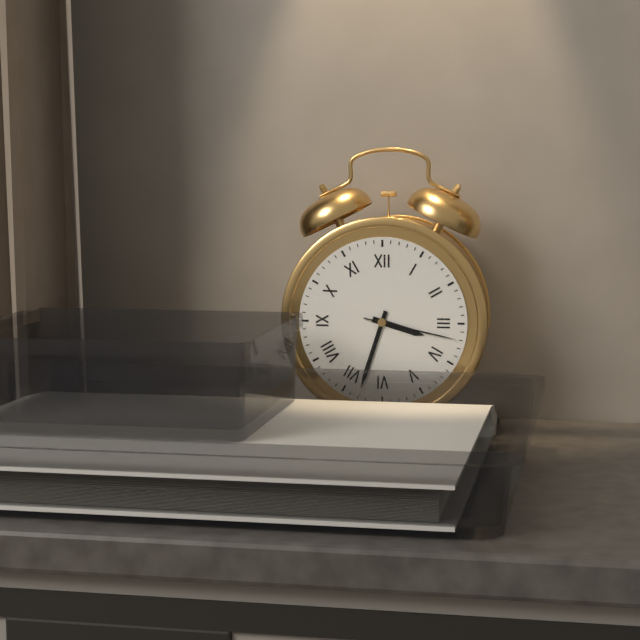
3:33:17
